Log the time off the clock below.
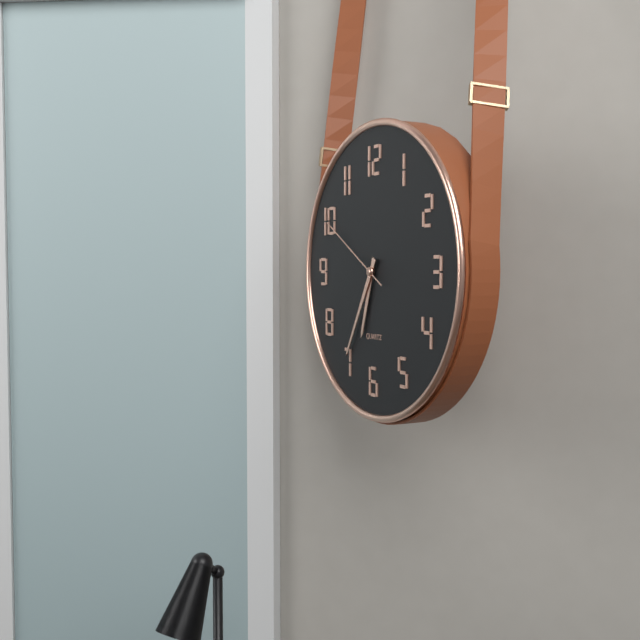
6:35:50
